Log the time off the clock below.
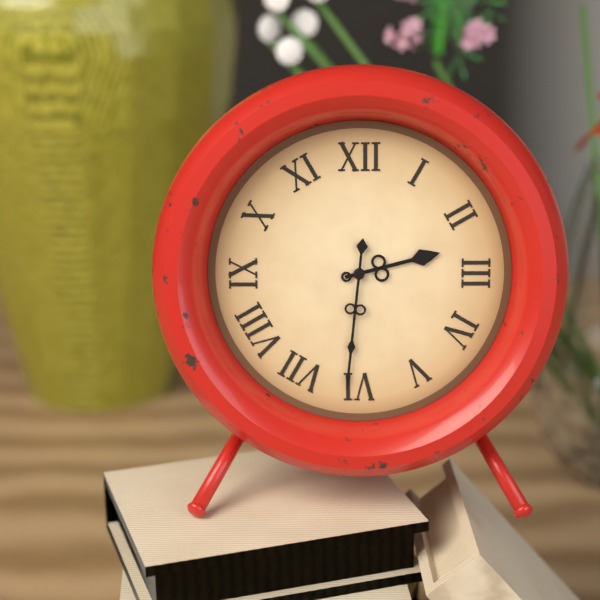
2:31
